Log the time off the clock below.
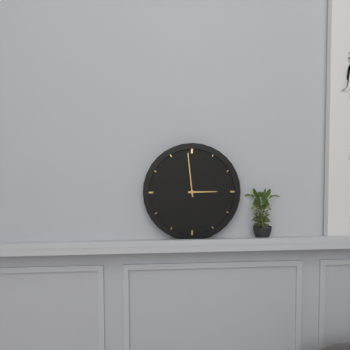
2:59
